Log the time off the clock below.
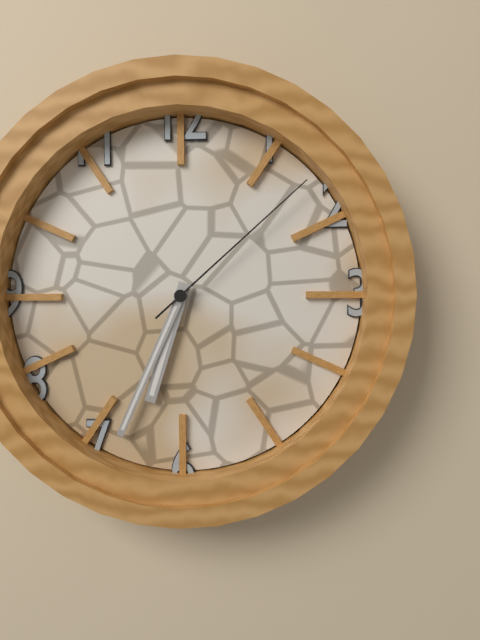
6:34:08
